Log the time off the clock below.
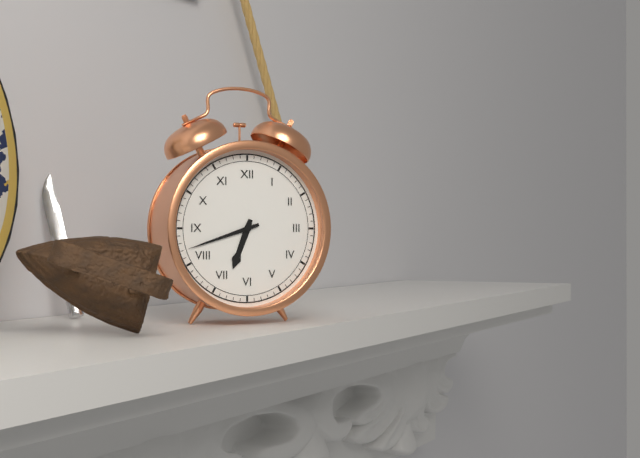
6:42
